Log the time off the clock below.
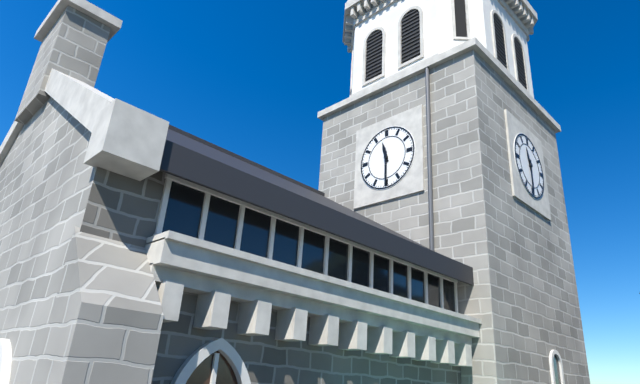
11:30
